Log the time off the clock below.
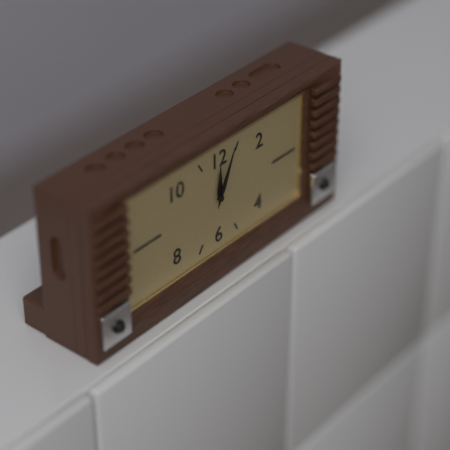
12:04
